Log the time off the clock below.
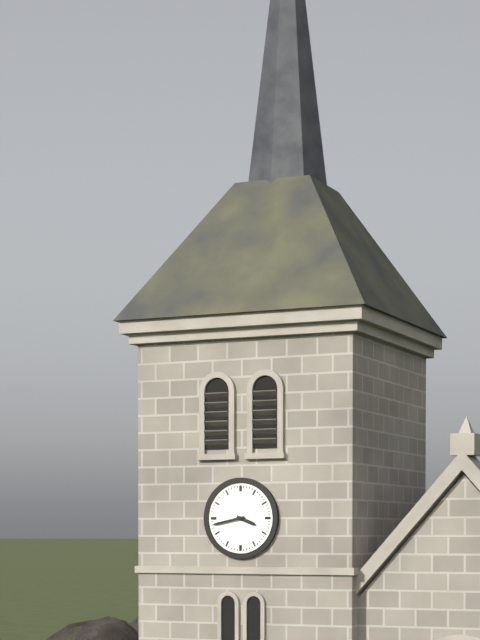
3:43
